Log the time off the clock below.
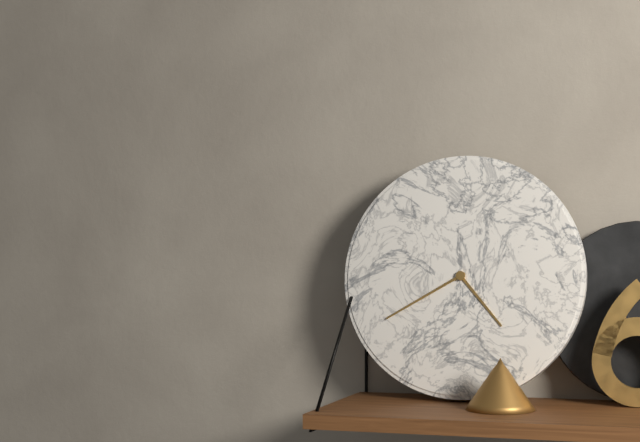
4:40
